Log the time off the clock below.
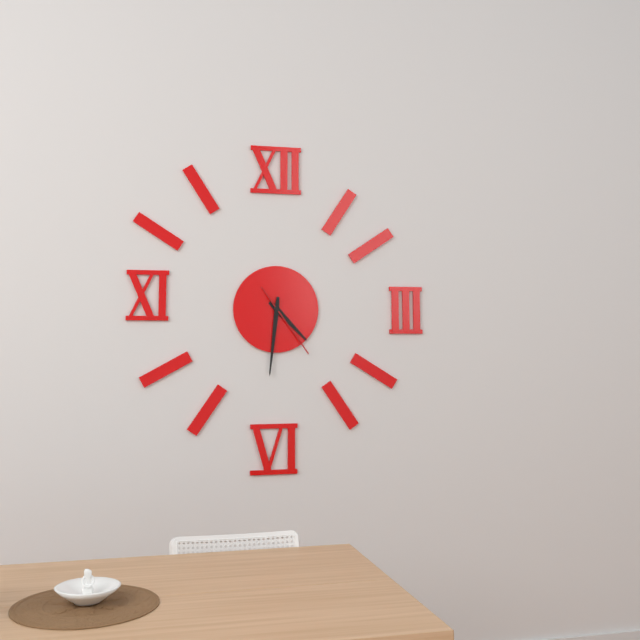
4:31:24
